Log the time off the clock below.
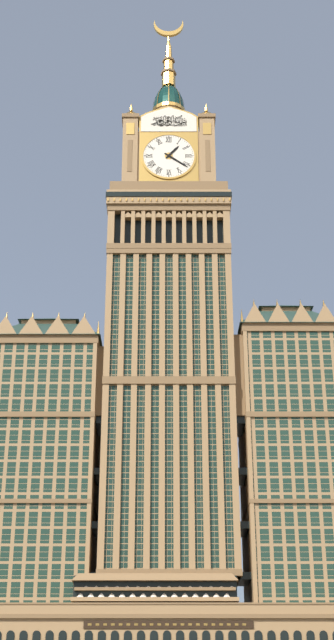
1:21
